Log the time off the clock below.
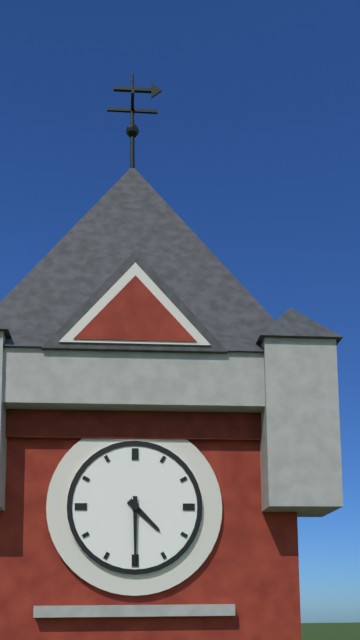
4:30
